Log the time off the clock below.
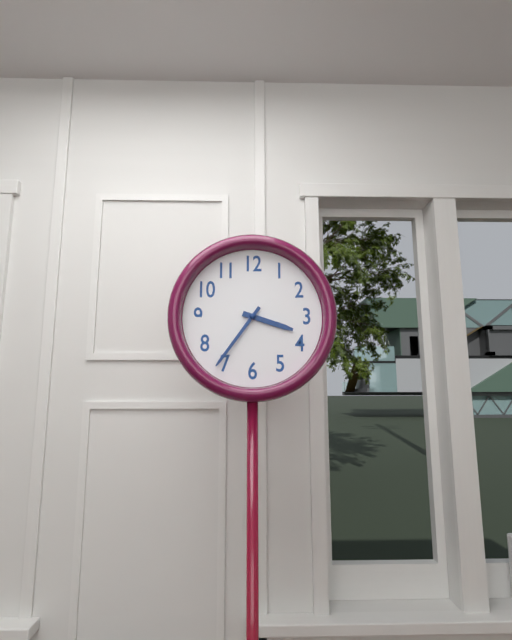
3:36
